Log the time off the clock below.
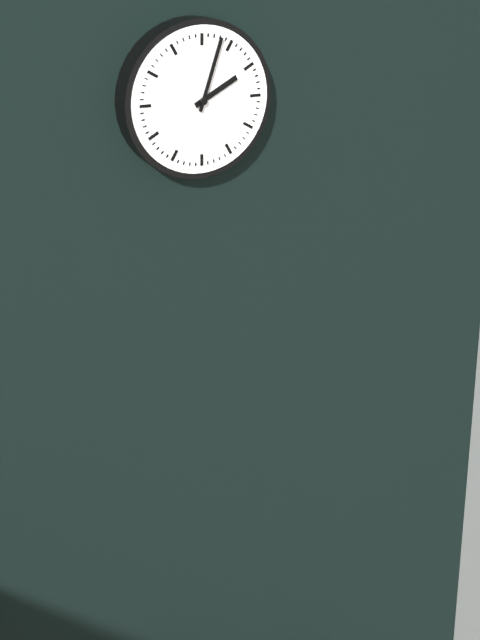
2:03
